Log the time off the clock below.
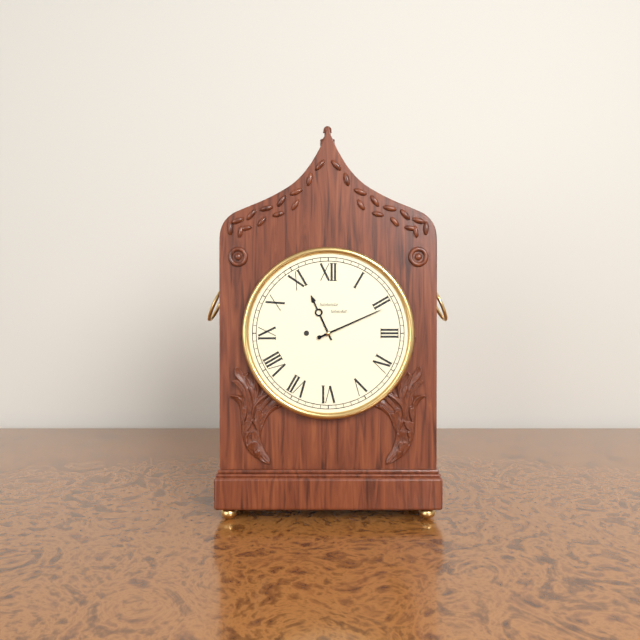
11:11
